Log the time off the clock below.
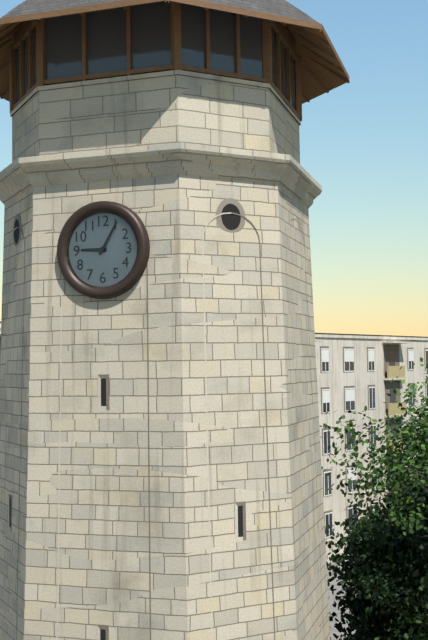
9:05
